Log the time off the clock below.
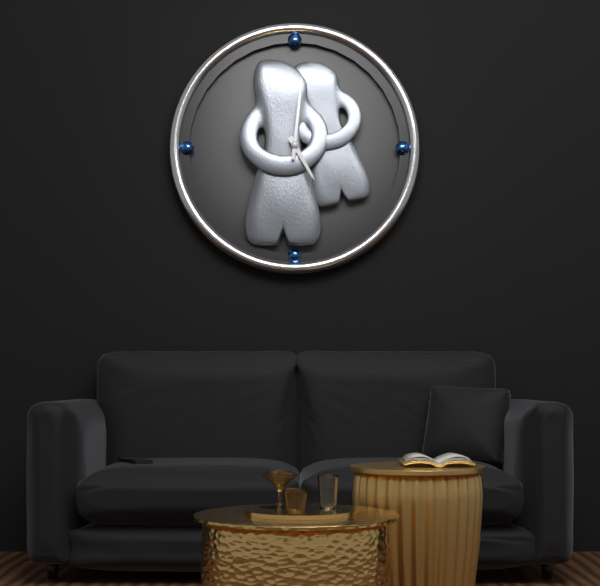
5:01
